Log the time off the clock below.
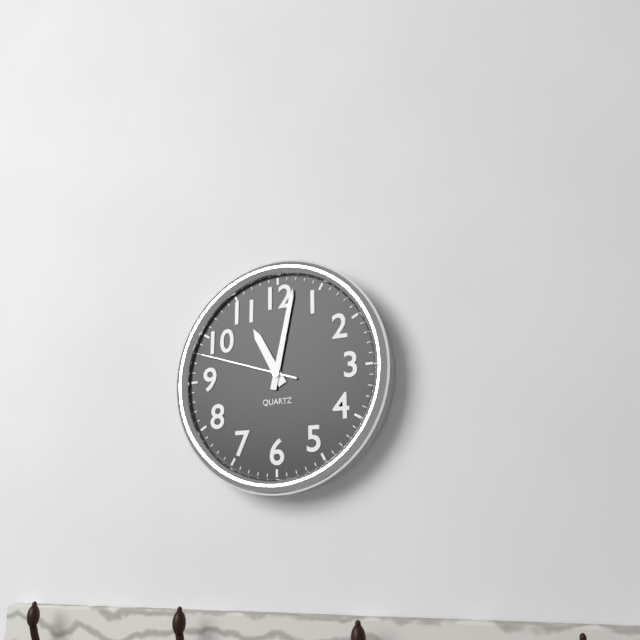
11:02:48
